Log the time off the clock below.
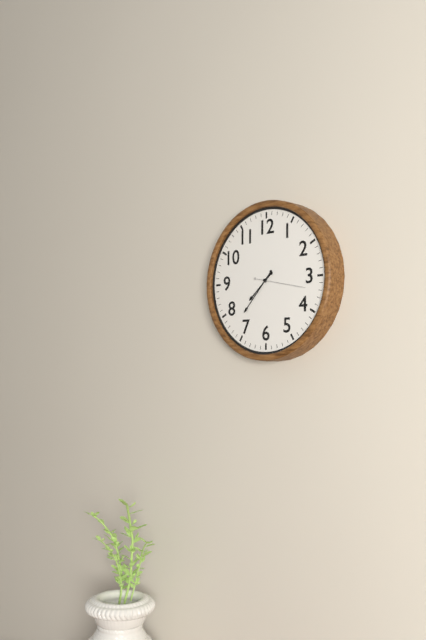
7:37:17
